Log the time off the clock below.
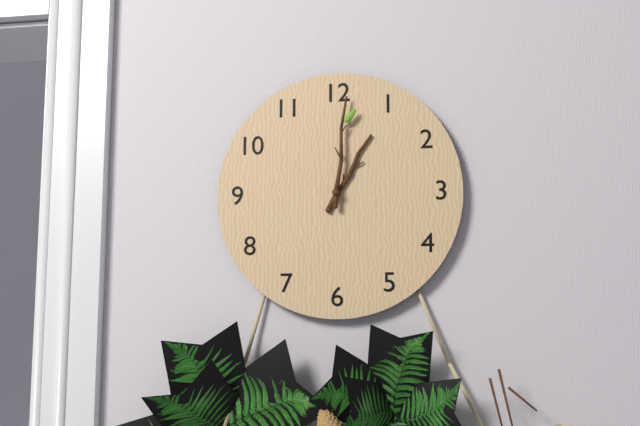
1:01
